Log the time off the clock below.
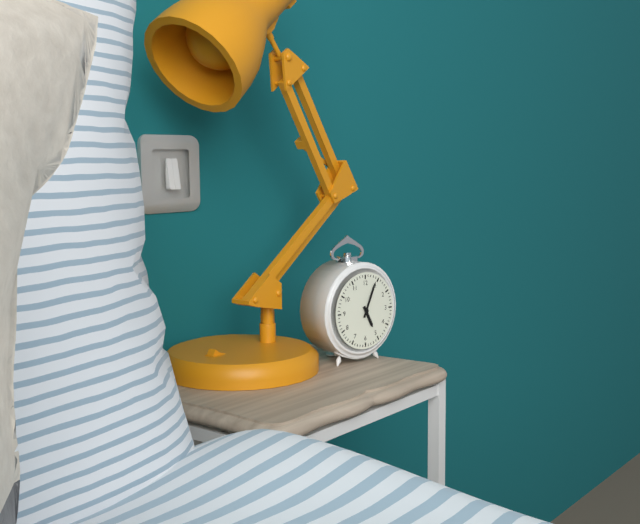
5:04
